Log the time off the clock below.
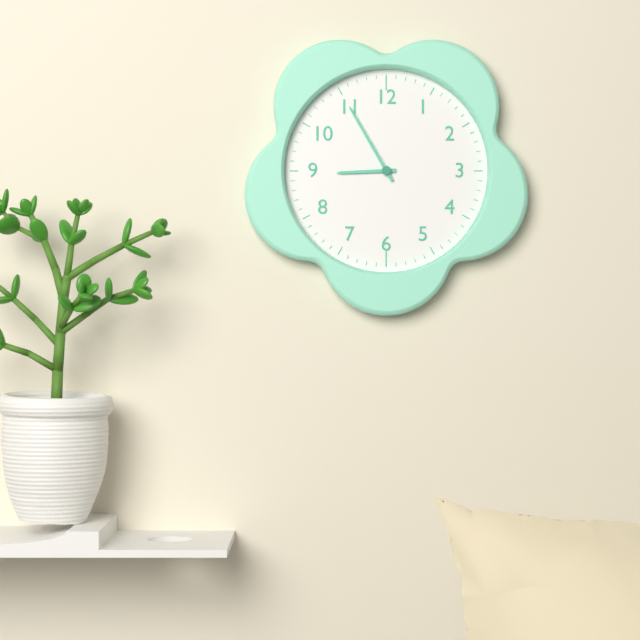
8:55
